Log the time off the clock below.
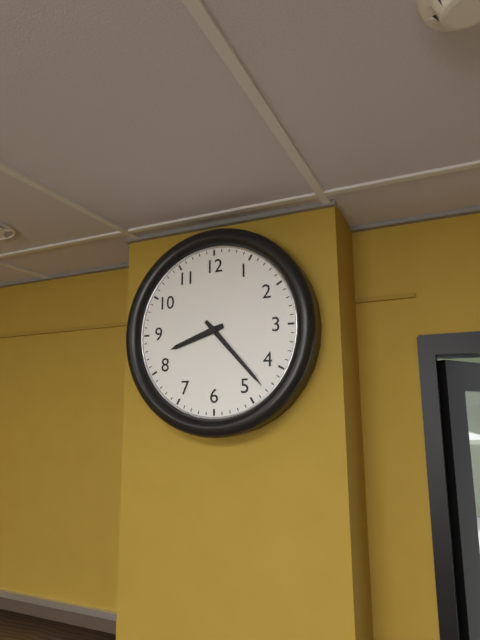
8:23
